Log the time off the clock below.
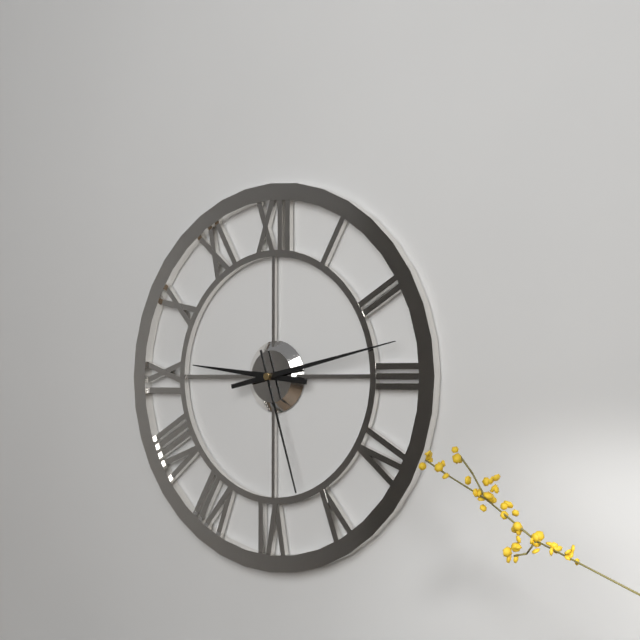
9:13:27
